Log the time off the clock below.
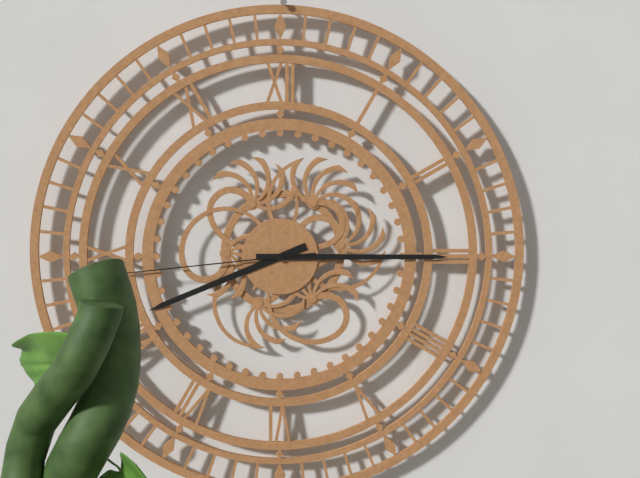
8:15:44
